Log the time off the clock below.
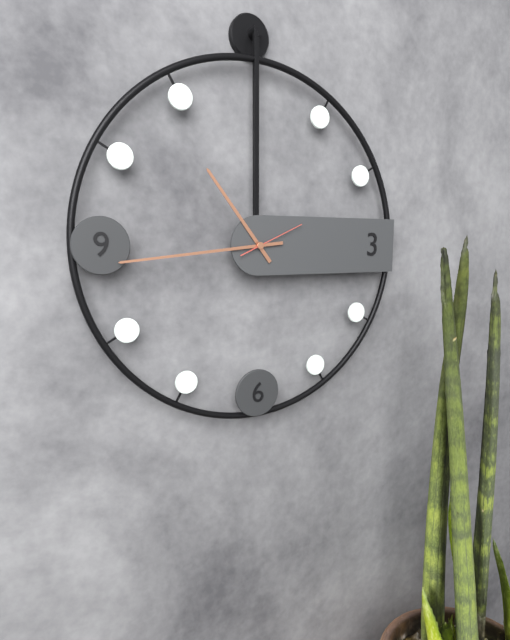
10:44:11
